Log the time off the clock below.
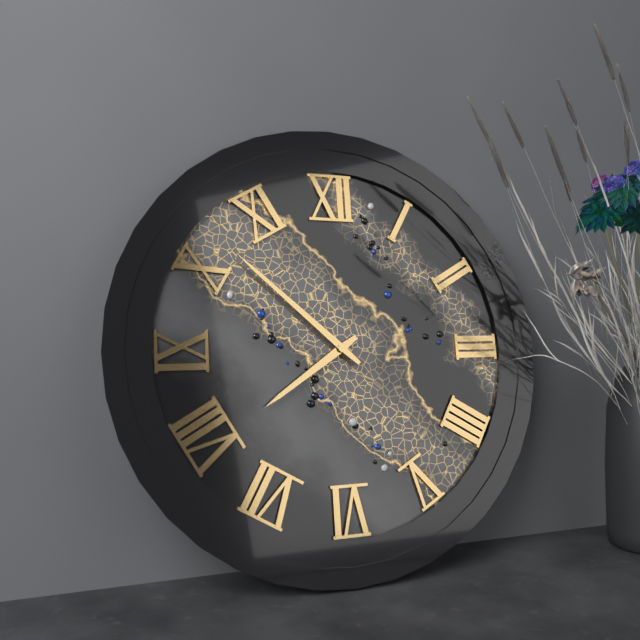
7:52
